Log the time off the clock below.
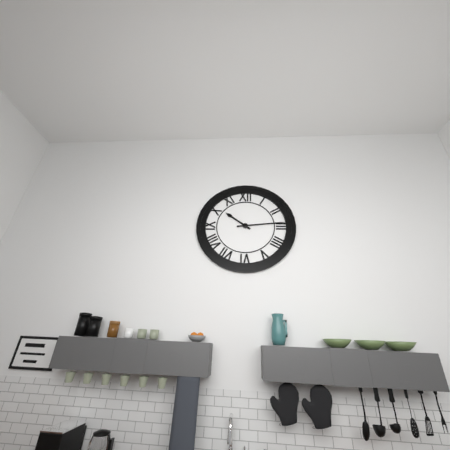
10:14
